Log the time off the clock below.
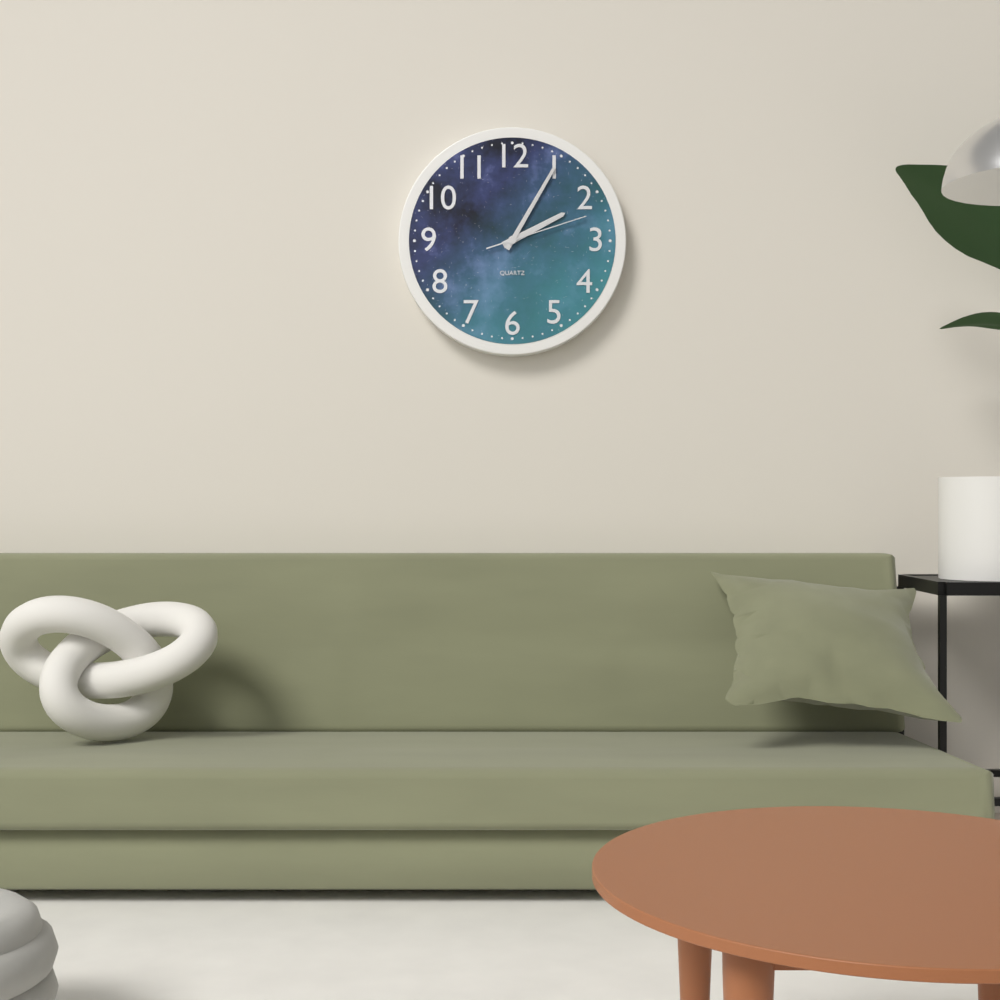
2:05:12
